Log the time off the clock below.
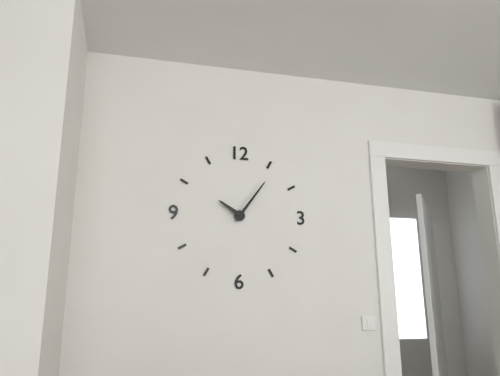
10:06
